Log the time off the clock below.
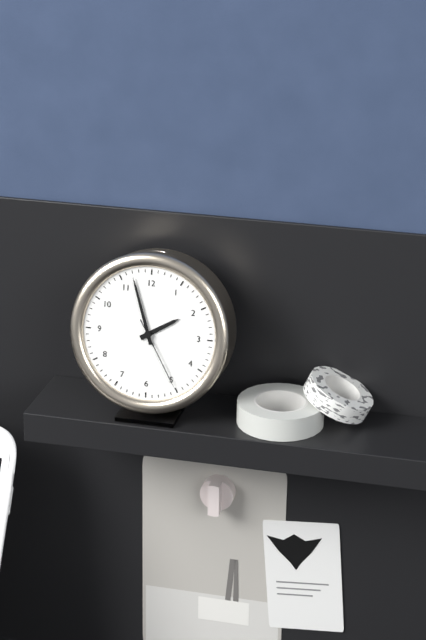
1:57:25
